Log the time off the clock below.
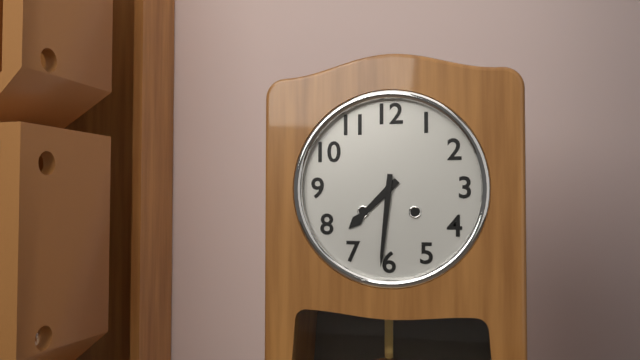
7:31
